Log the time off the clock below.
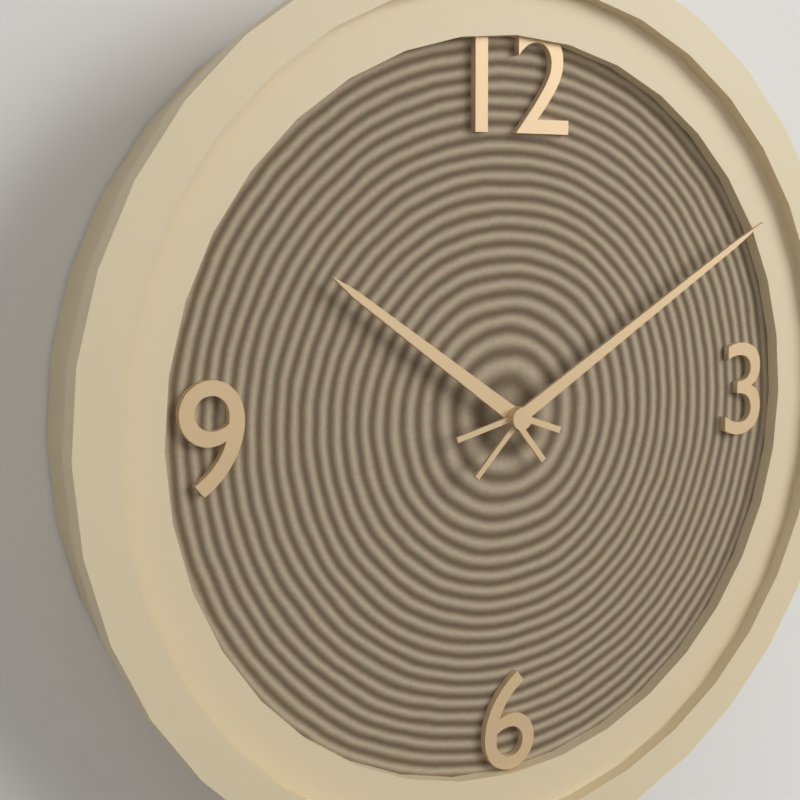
10:10
